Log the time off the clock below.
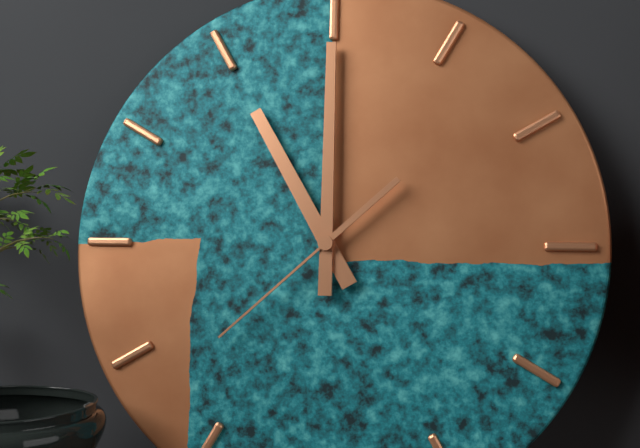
11:00:38
